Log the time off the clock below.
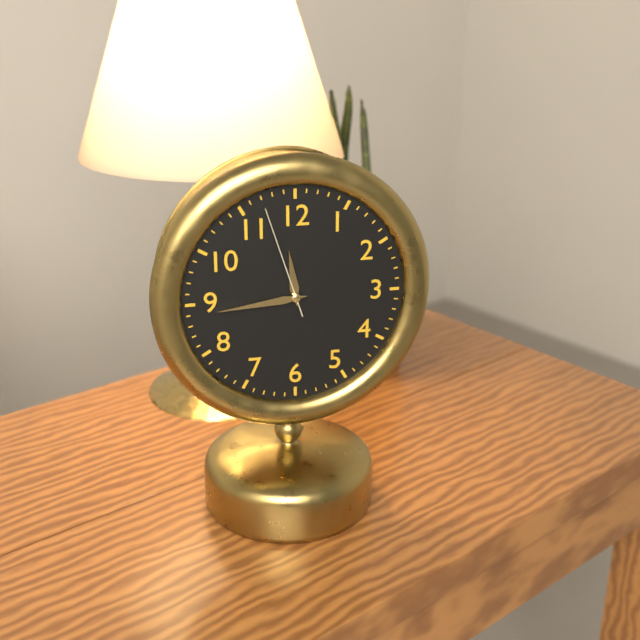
11:44:57
